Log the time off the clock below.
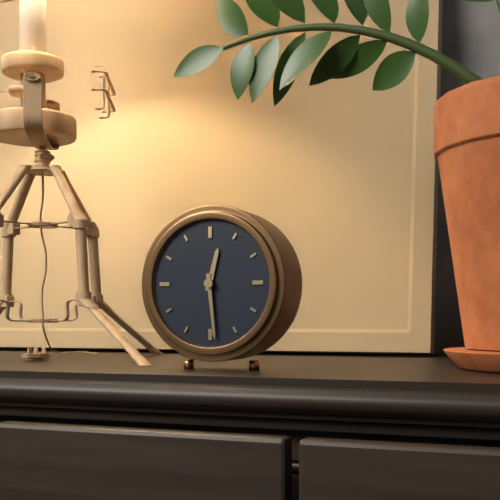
12:29
